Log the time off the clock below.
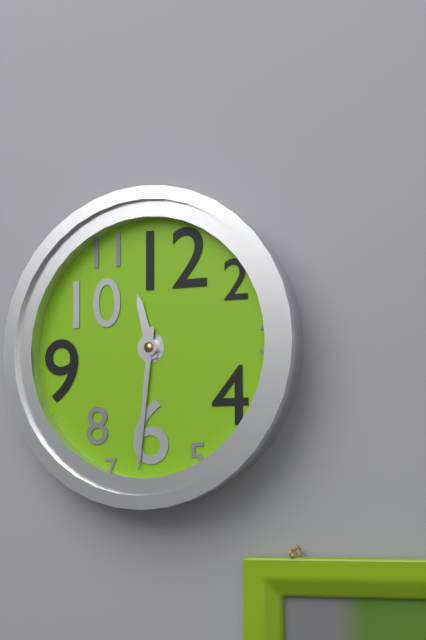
11:31
